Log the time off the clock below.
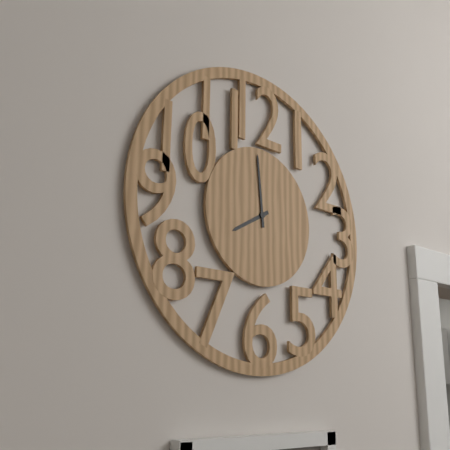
7:59
